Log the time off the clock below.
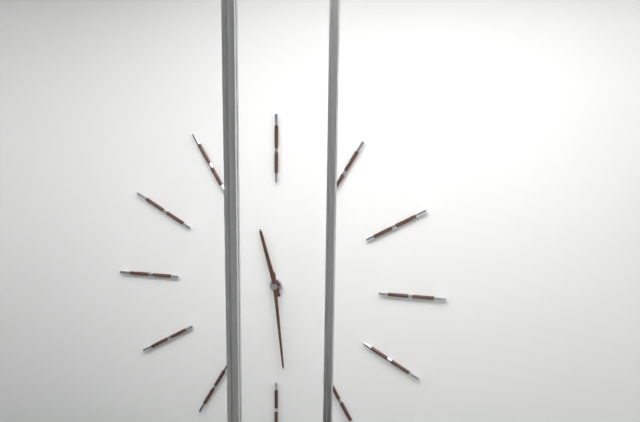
11:29
